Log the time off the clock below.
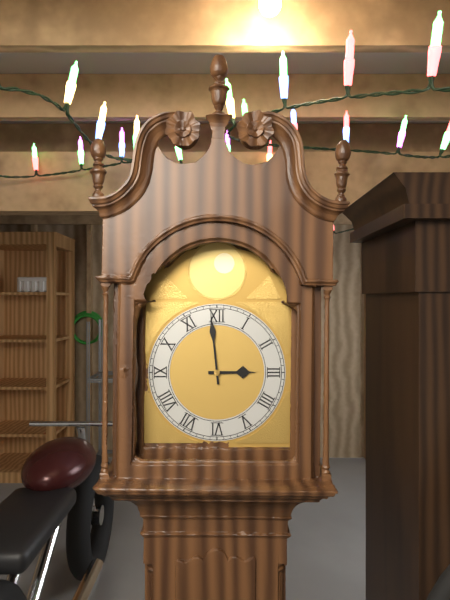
2:59
